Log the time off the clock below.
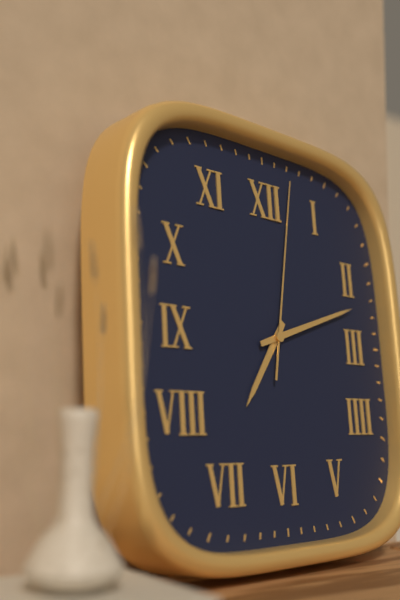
7:12:02
